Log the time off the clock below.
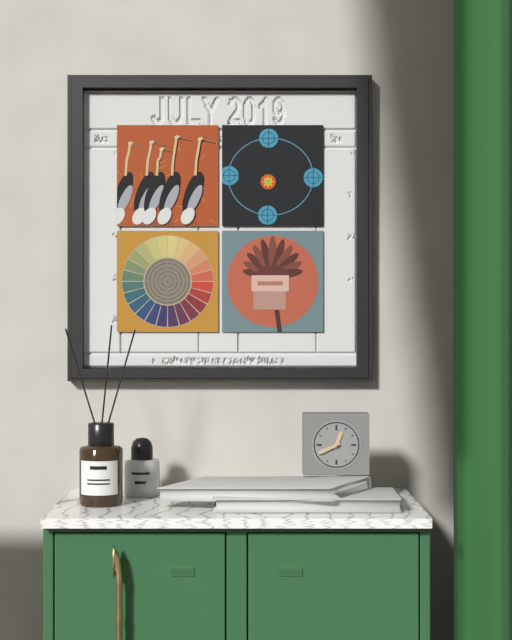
12:41
